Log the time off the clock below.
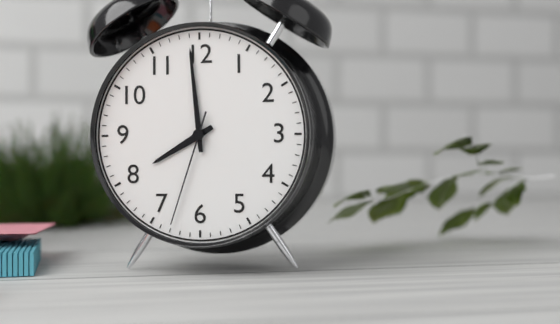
7:59:33
